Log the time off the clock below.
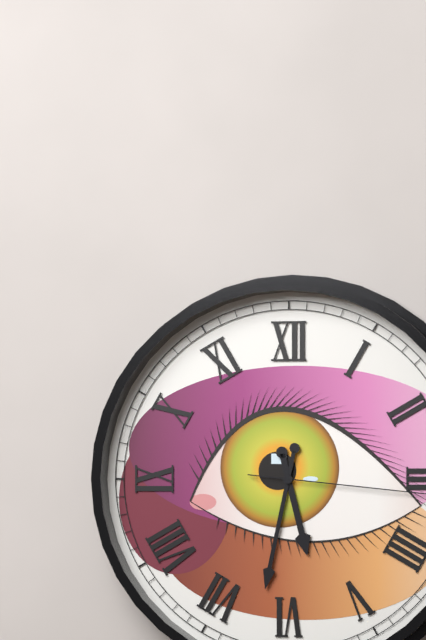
5:32
